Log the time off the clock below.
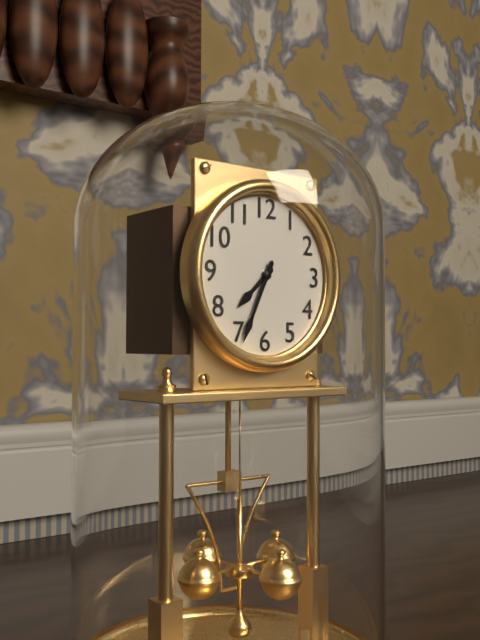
7:34
